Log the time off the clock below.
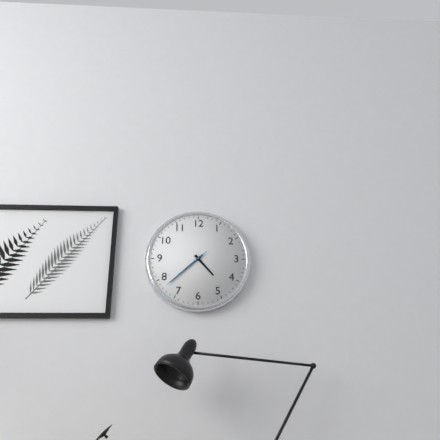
4:38:38
